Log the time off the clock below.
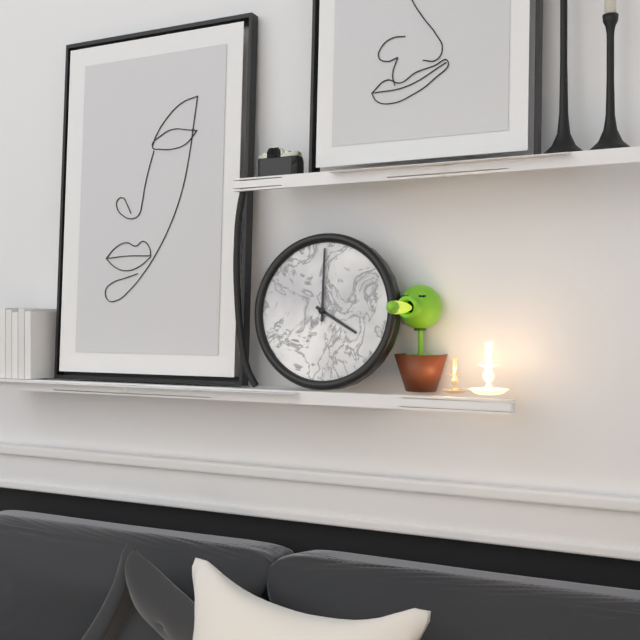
4:00
